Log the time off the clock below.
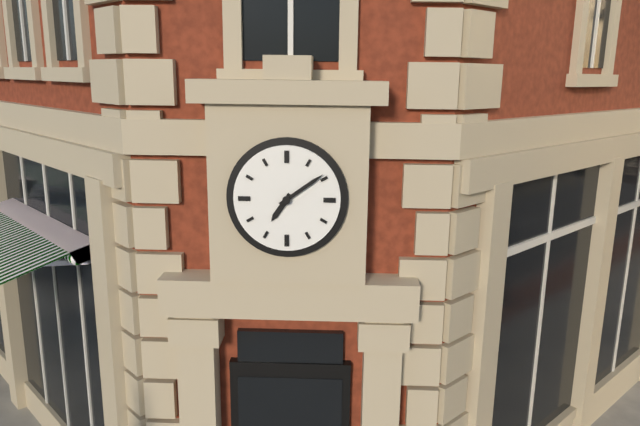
7:09
